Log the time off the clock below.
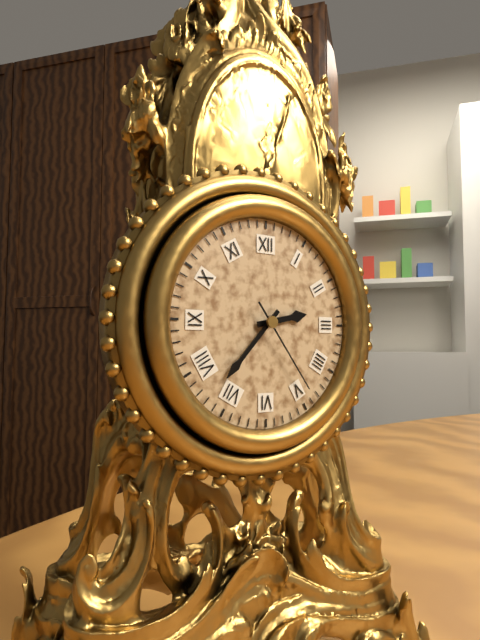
2:37:24
